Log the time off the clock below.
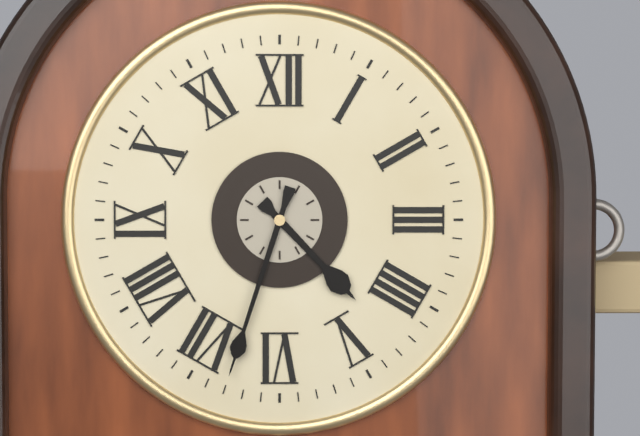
4:33
